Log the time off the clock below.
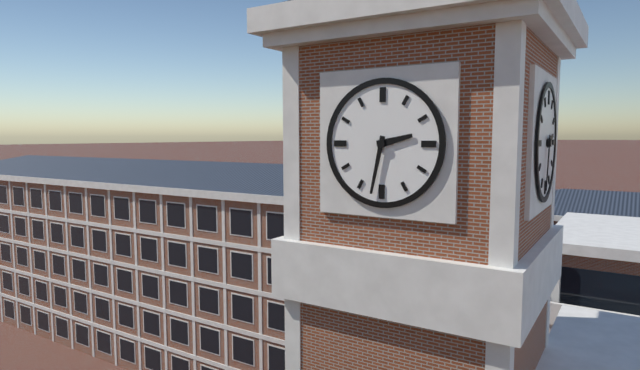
2:32
